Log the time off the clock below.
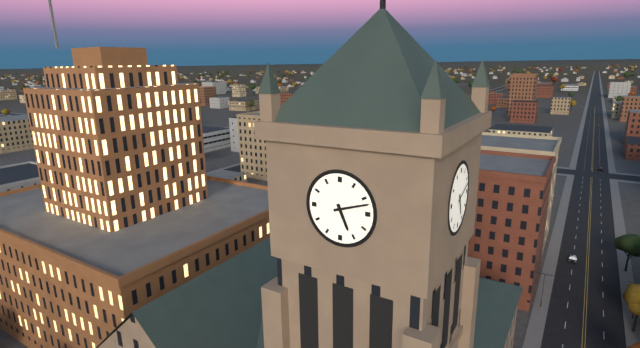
5:12
